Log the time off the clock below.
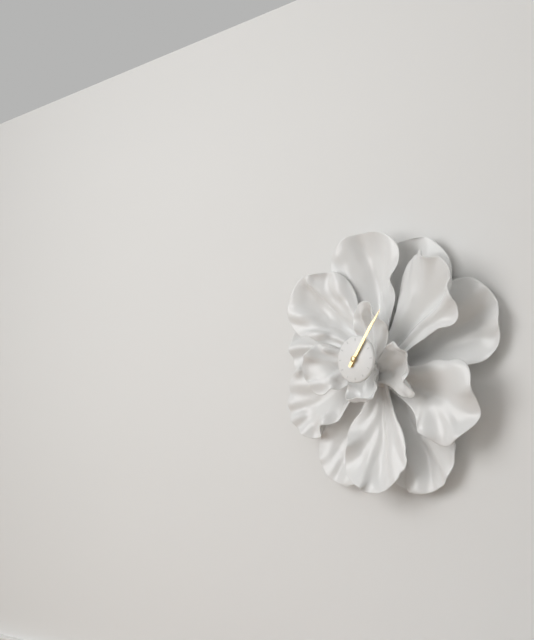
1:06
